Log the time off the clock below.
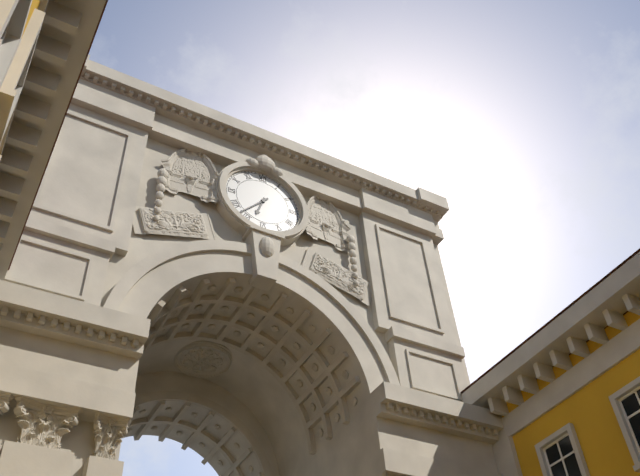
6:37
